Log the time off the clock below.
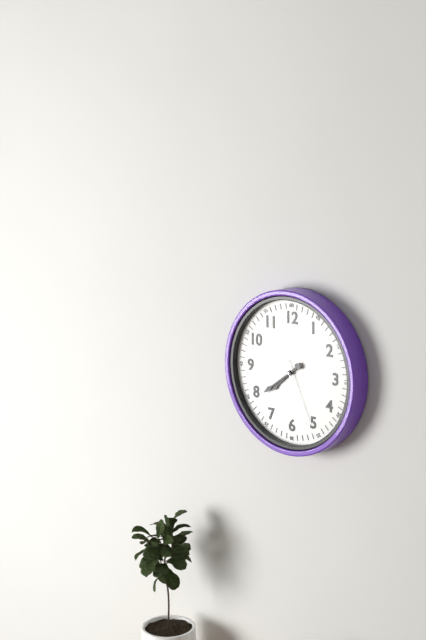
7:39:26
